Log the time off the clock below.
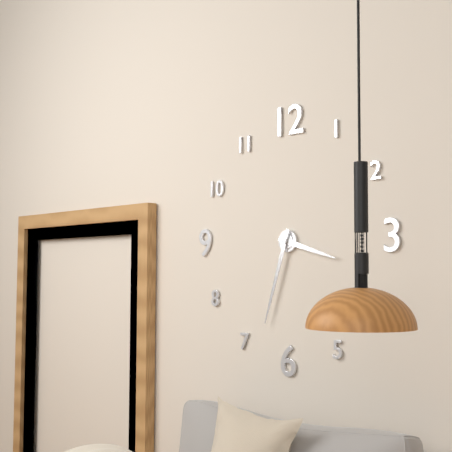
3:33
